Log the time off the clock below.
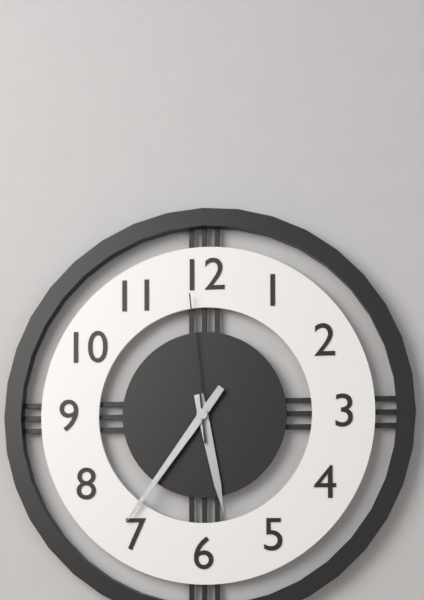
5:36:59
